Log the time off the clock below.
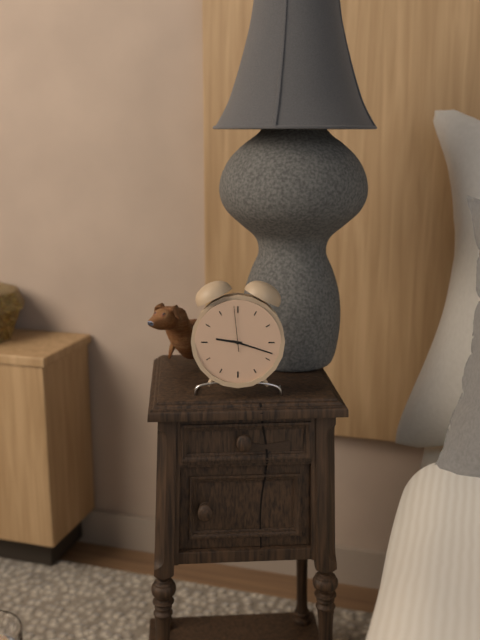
9:18
